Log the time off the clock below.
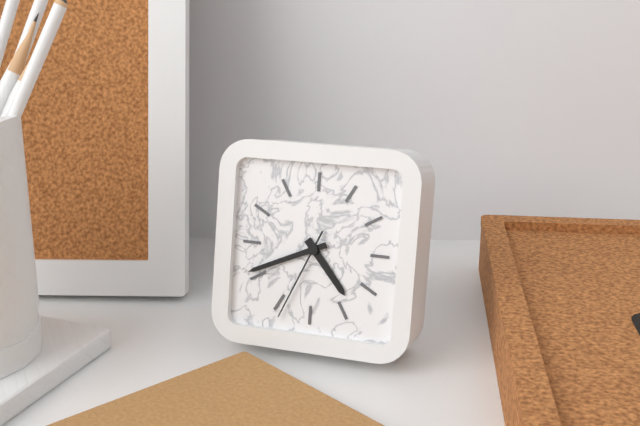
4:41:34
